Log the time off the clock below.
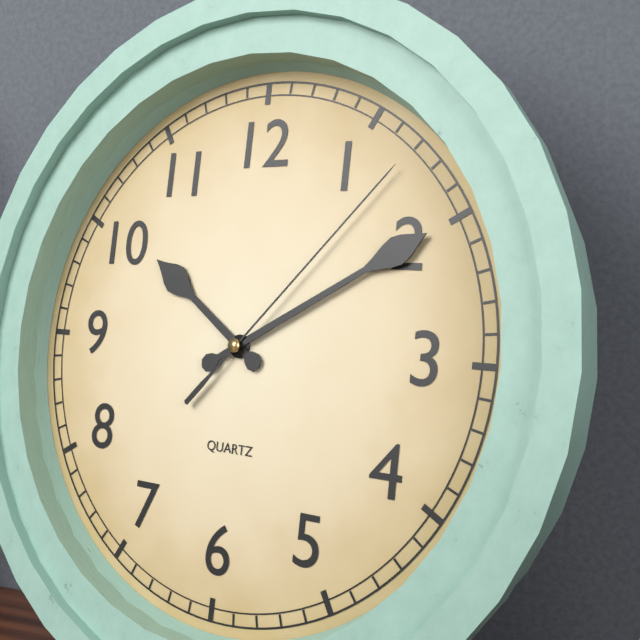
10:10:07
